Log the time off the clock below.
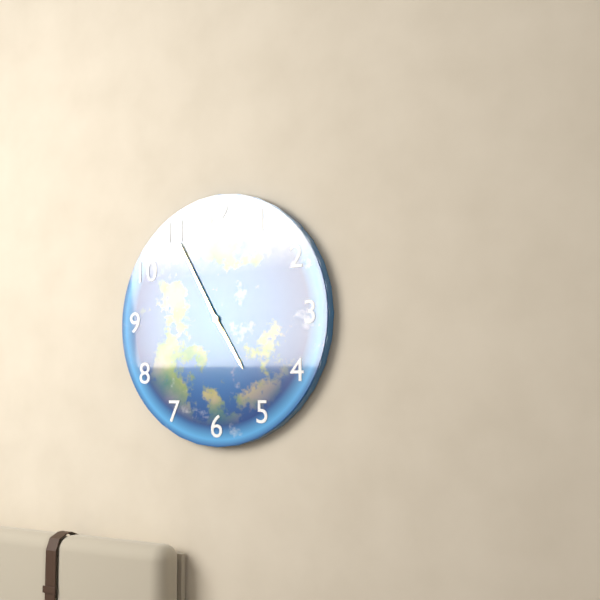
4:55
